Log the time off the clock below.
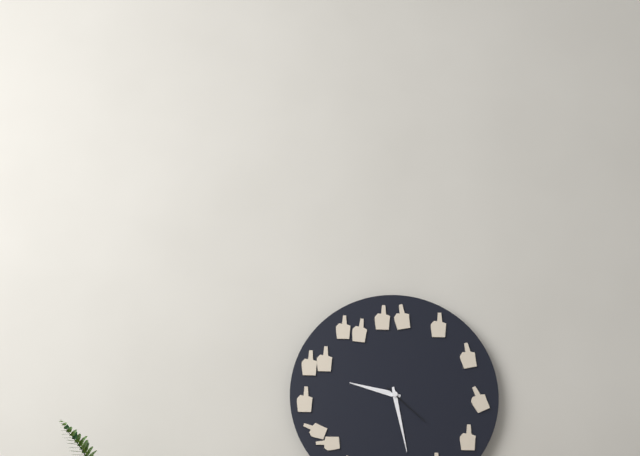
9:28
